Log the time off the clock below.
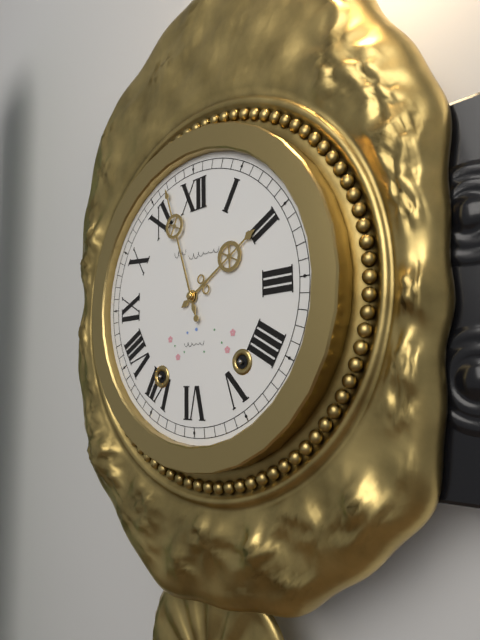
1:57
